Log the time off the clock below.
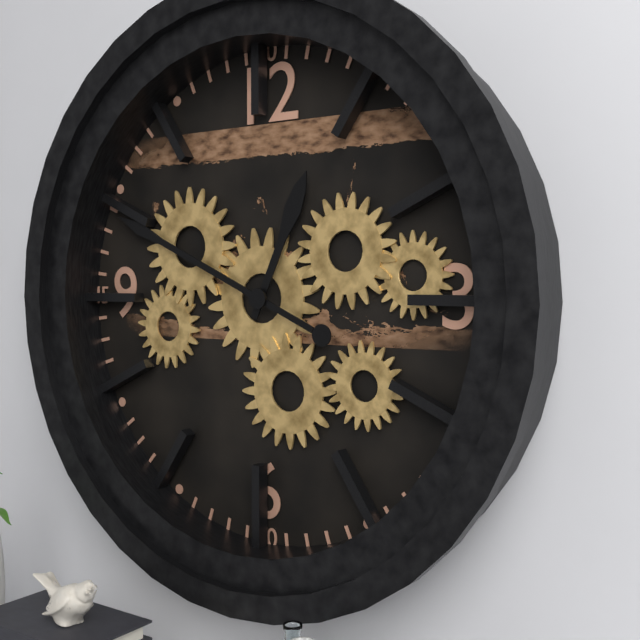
12:49
